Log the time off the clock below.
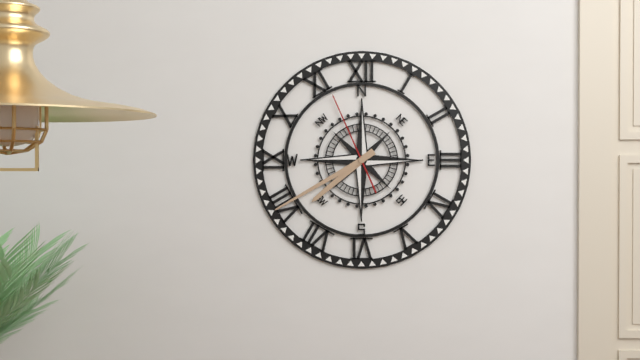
7:40:56
